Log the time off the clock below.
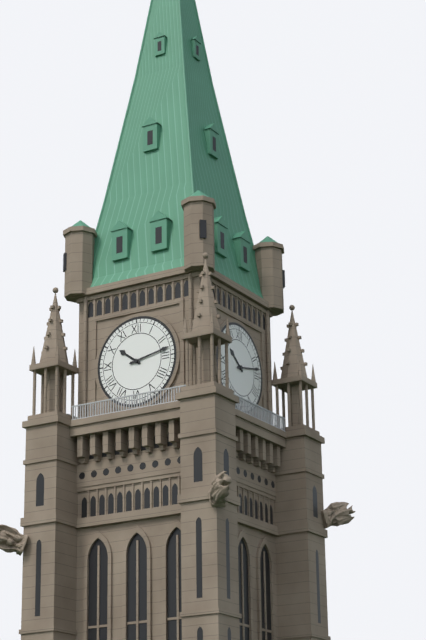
10:13
